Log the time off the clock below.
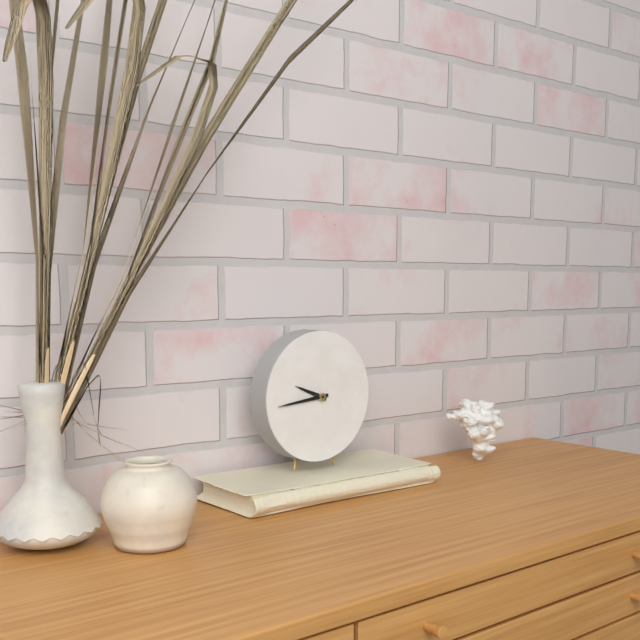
9:44
